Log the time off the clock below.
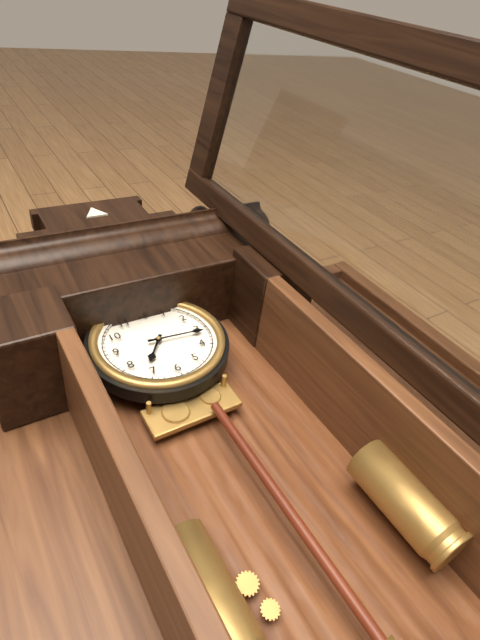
7:16
